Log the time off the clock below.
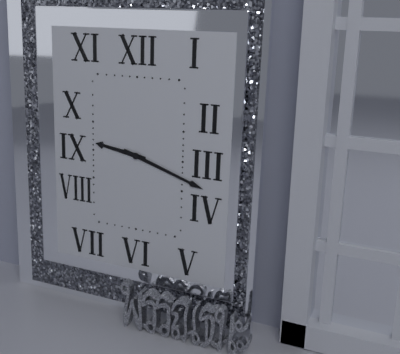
9:18
